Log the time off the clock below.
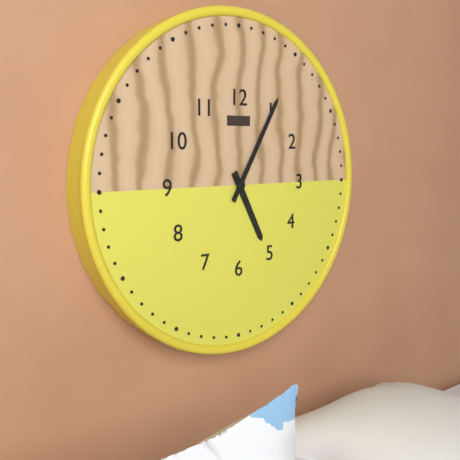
5:05
